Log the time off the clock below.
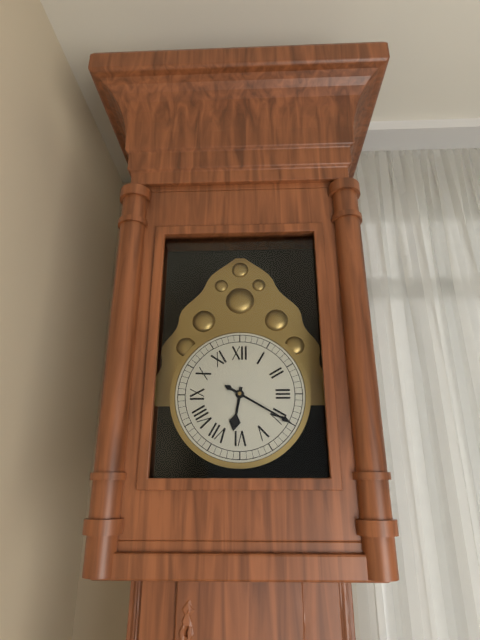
6:20
